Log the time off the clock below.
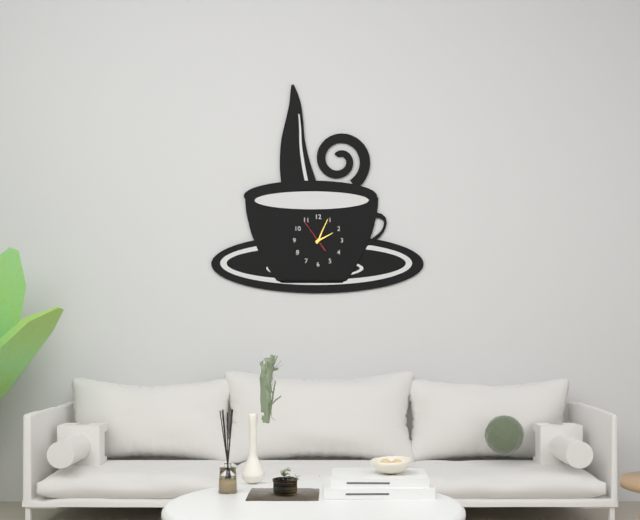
2:04
